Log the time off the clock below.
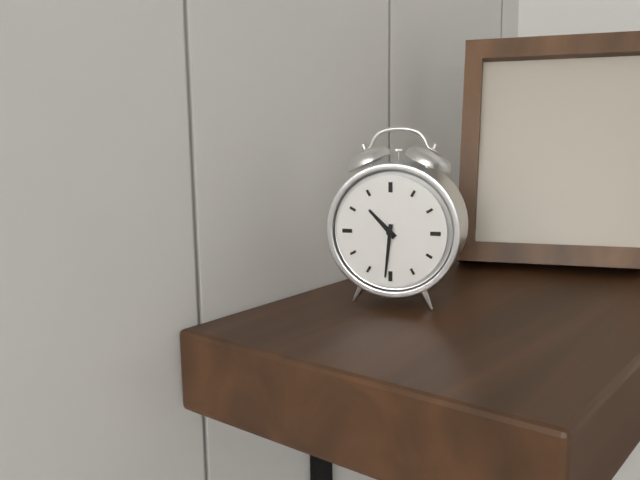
10:31
